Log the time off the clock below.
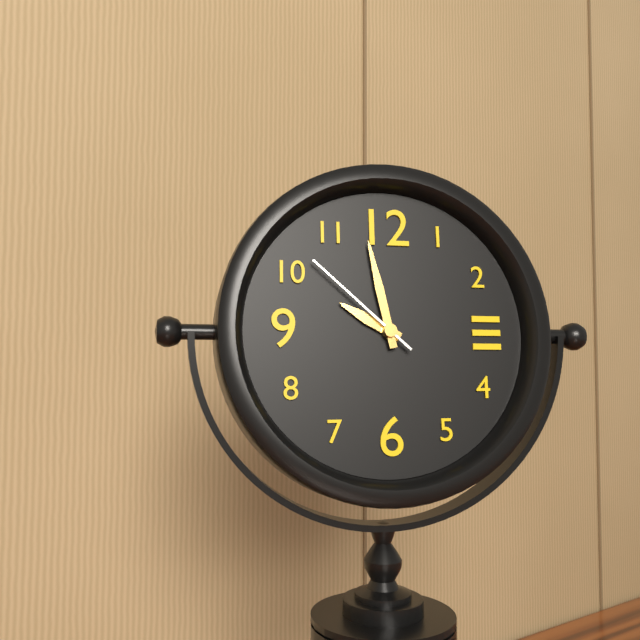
9:58:52
